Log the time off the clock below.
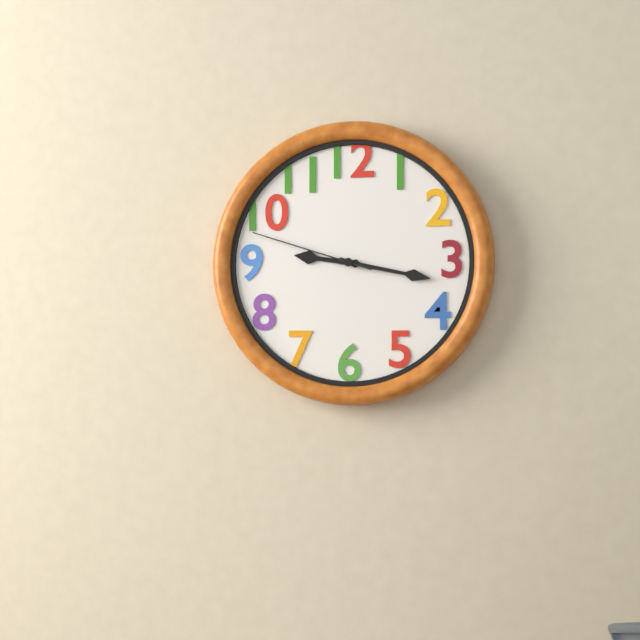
9:17:48
